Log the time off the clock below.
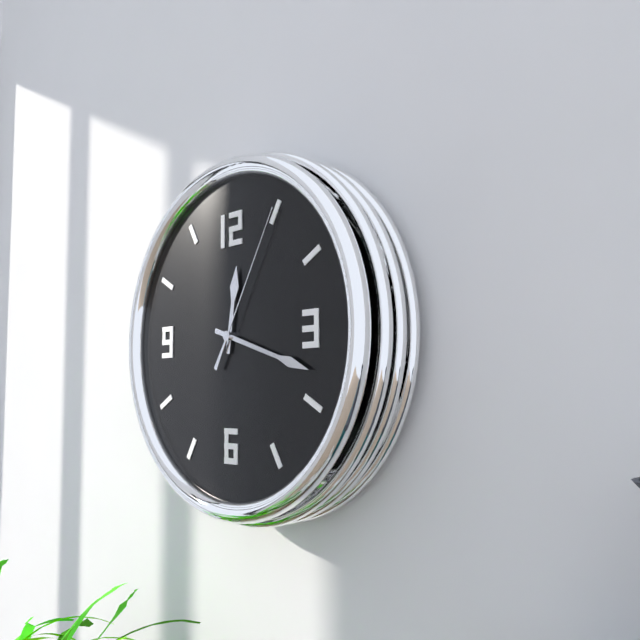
12:18:05
